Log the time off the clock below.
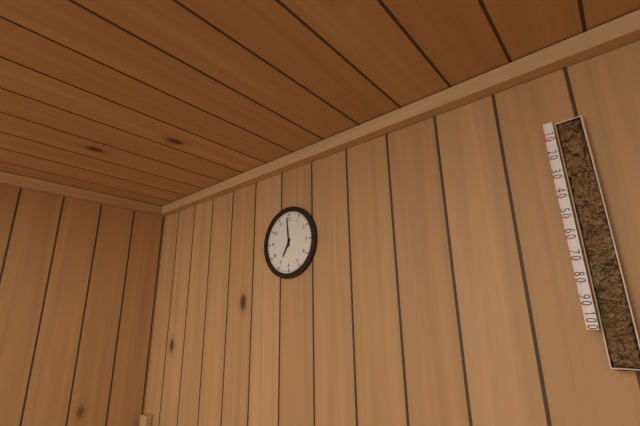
6:59
